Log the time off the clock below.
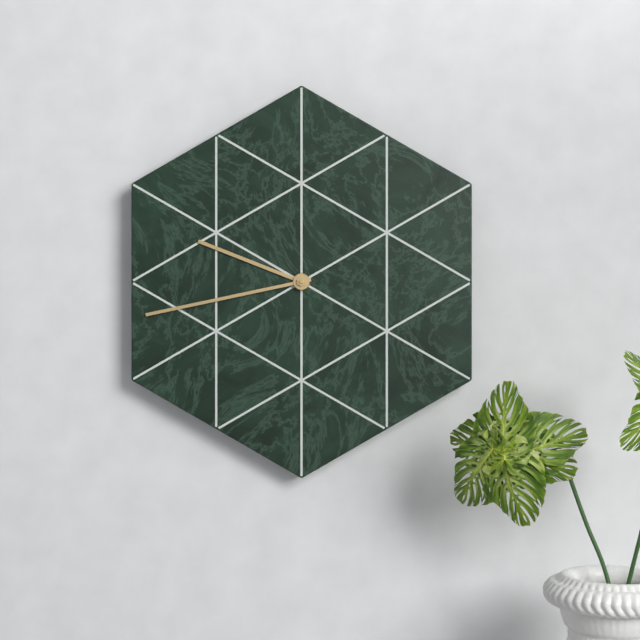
9:43
